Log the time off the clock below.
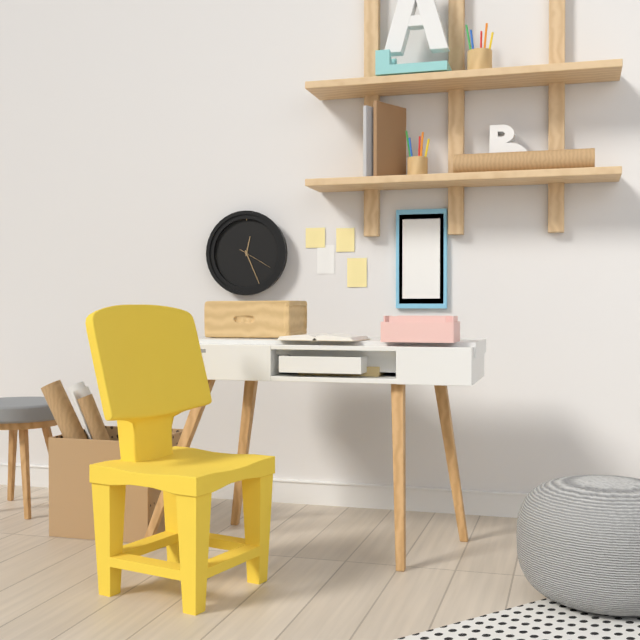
12:26
